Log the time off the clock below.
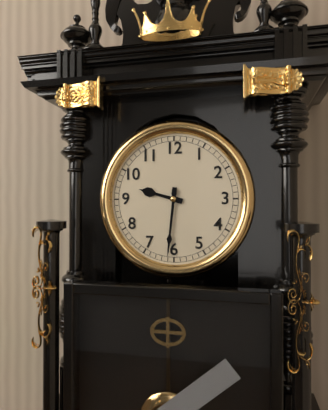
9:31
